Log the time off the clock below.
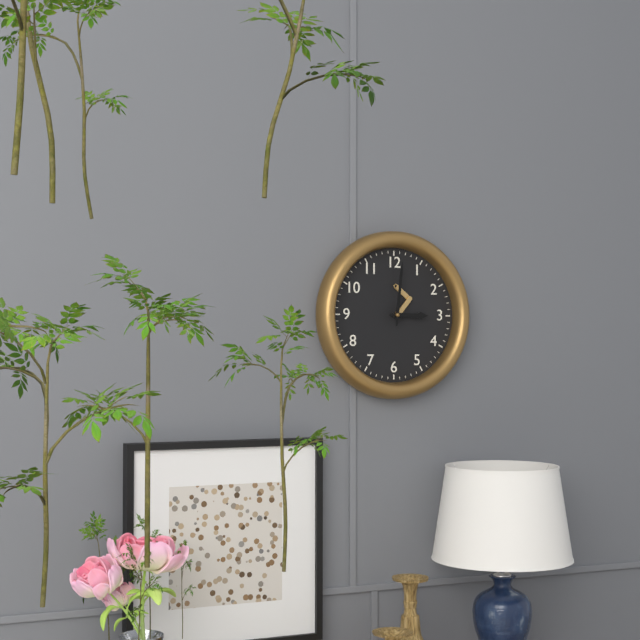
3:01
